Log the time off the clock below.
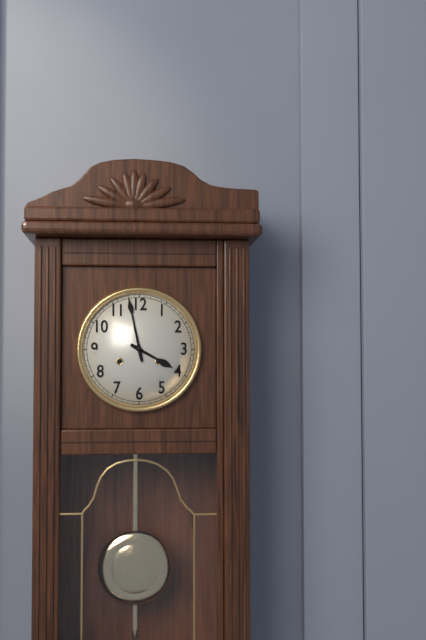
3:58
